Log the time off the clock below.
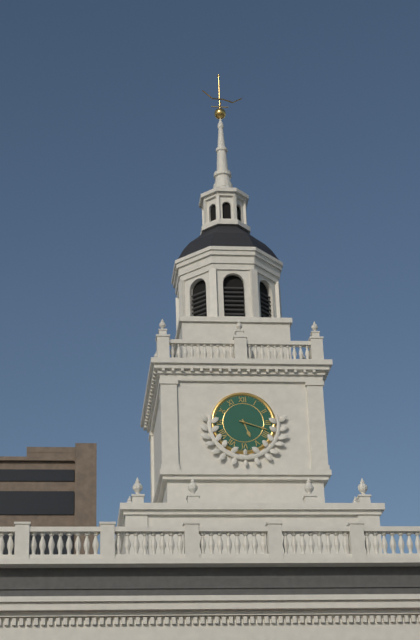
5:18
